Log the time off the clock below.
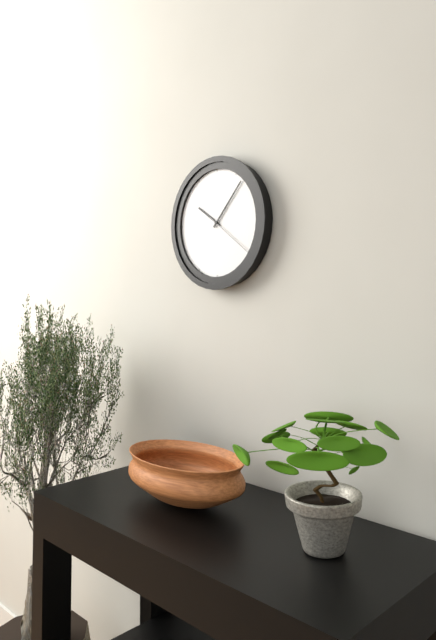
10:07:21
